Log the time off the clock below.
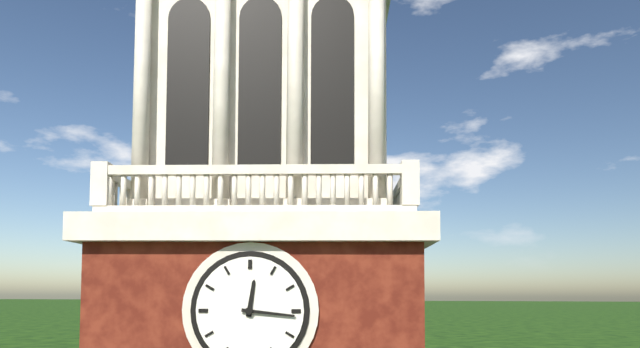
12:16
